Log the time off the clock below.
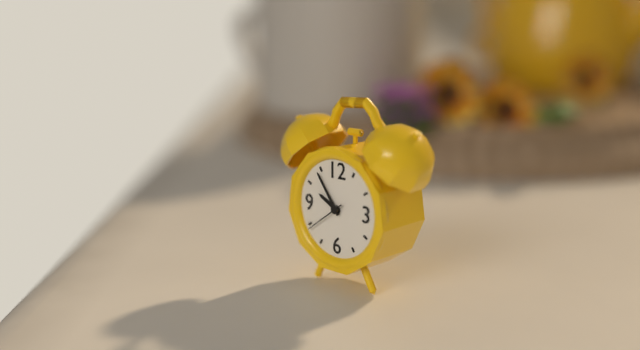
9:54
